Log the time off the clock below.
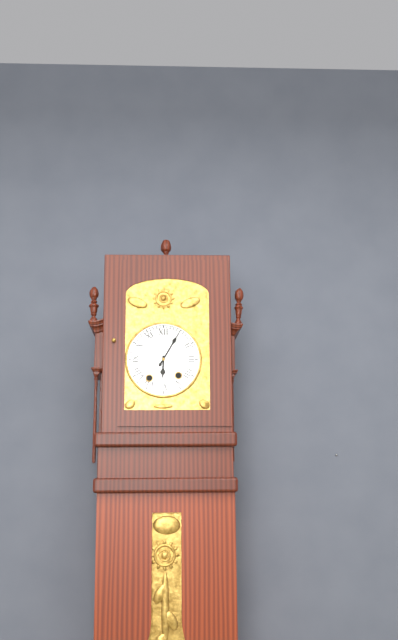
6:05
